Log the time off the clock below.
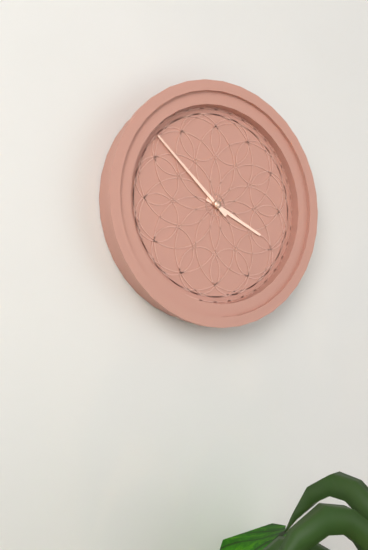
3:52
